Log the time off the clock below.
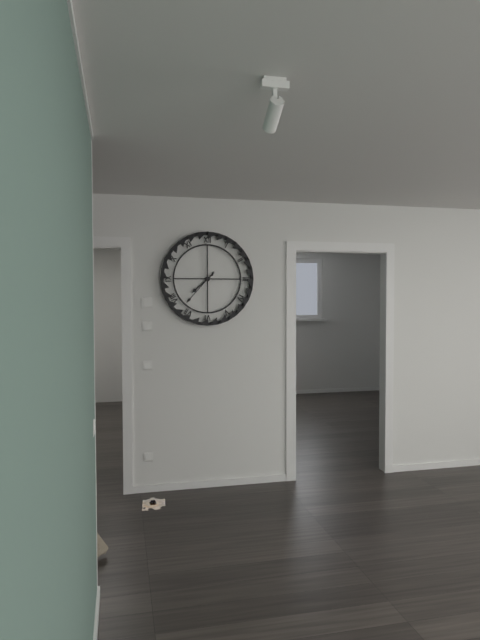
7:37
